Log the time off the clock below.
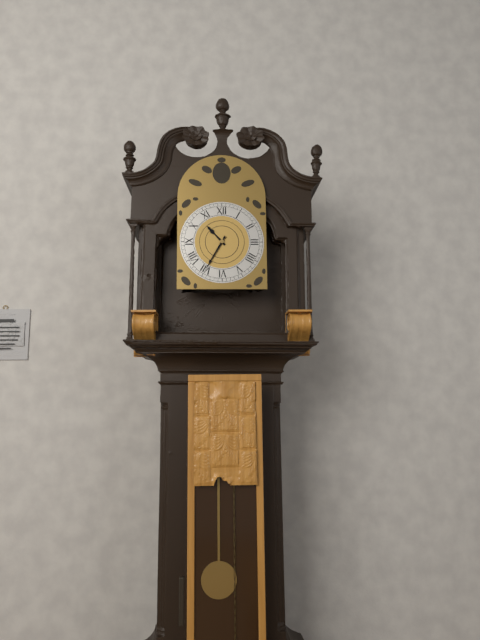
10:35
